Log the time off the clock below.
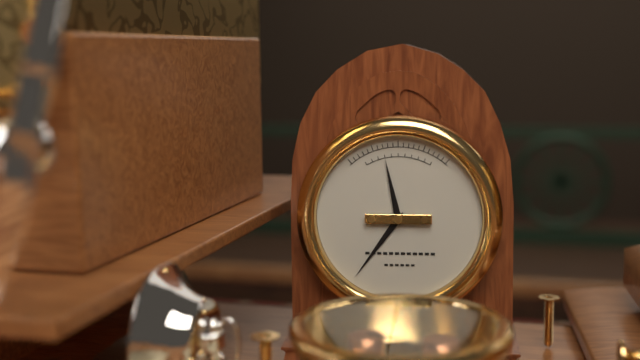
11:36
